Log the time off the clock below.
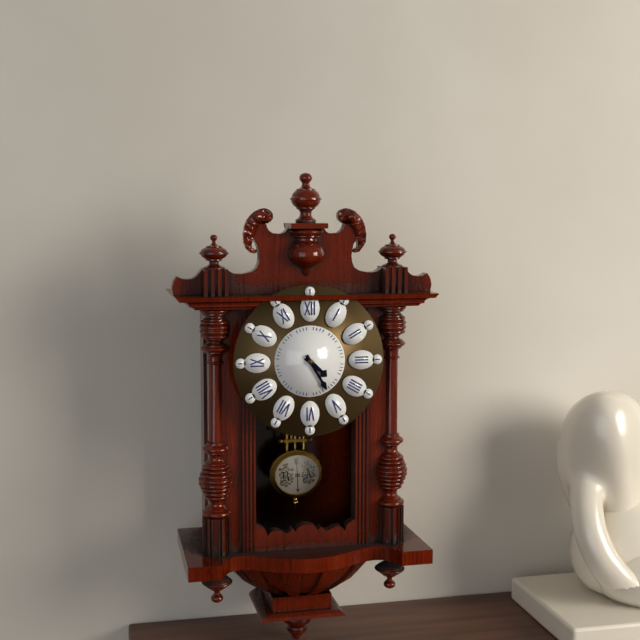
4:25
